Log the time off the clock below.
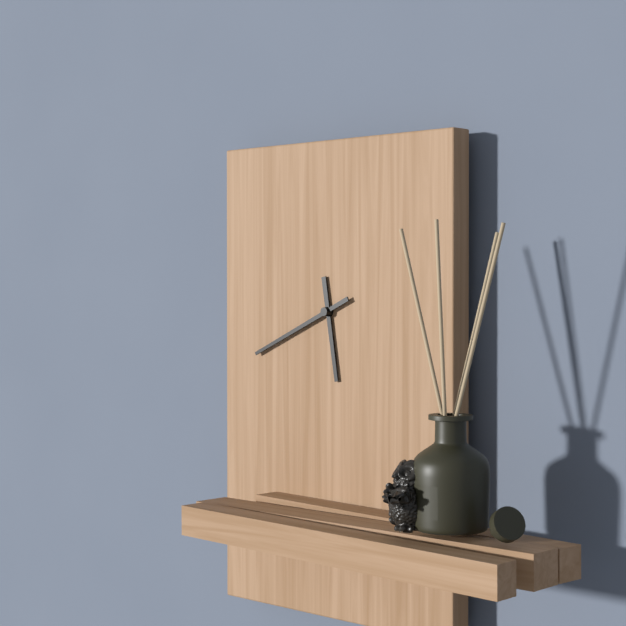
5:41
